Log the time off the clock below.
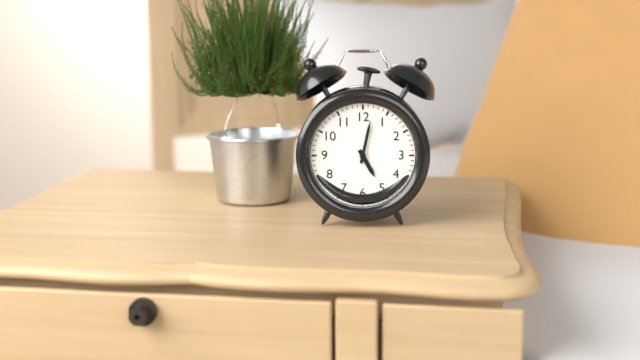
5:02
